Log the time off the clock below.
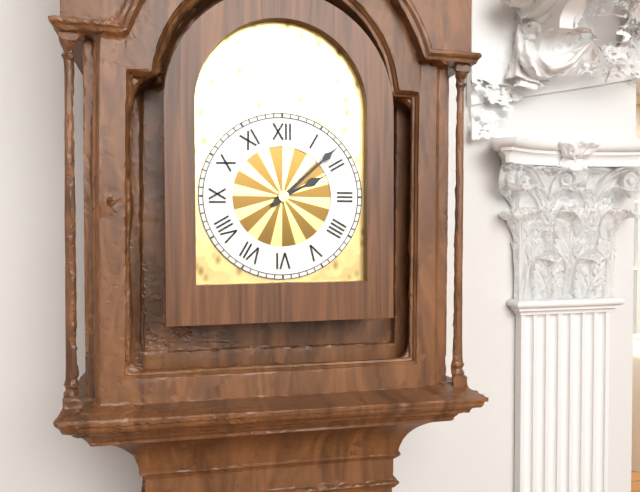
2:08
